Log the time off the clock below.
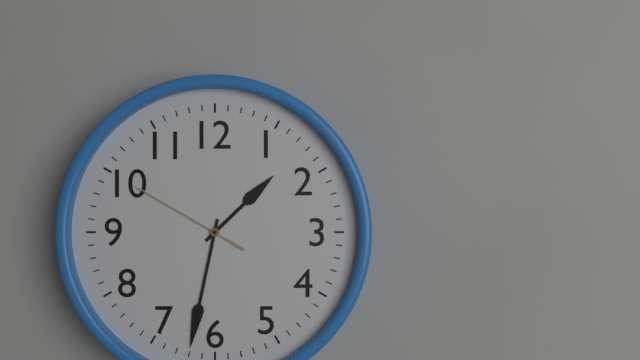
1:32:50
